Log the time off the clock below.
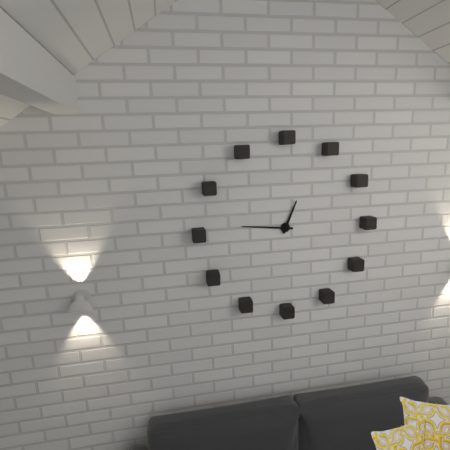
12:46
